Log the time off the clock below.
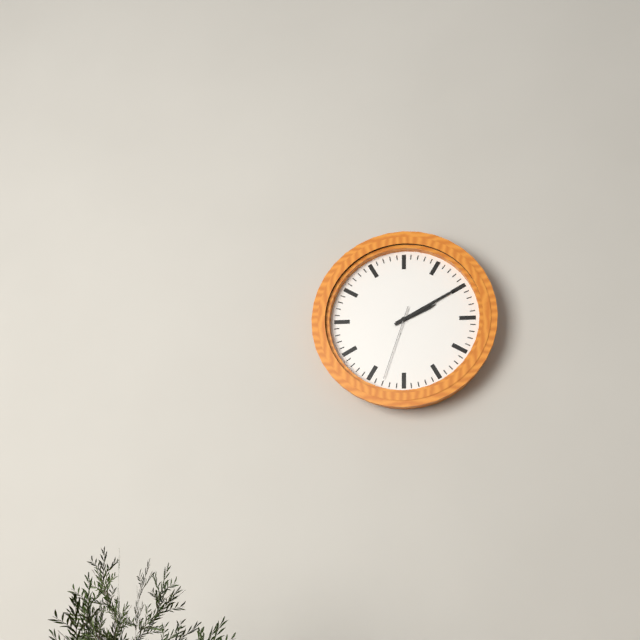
2:10:33
